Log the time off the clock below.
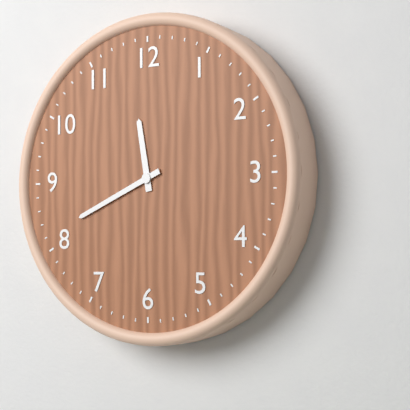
11:41
